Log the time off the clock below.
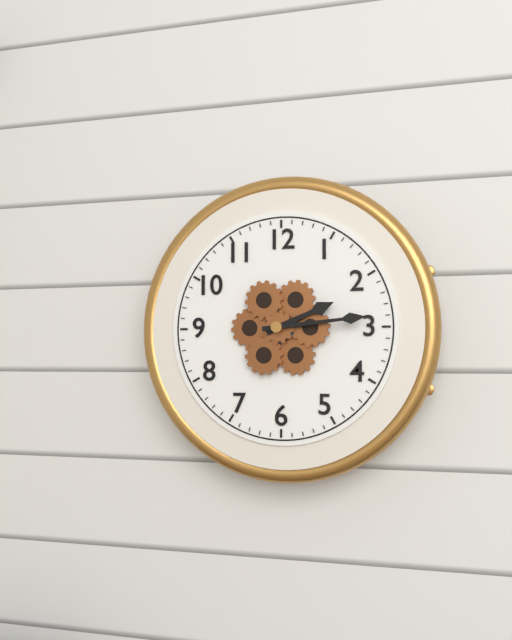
2:14
